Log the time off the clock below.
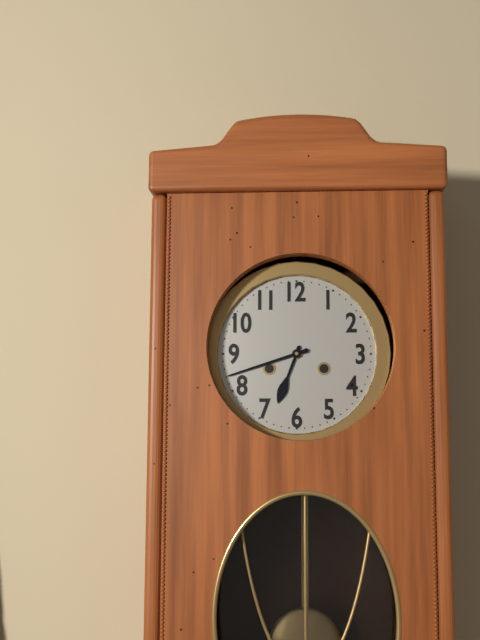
6:42
